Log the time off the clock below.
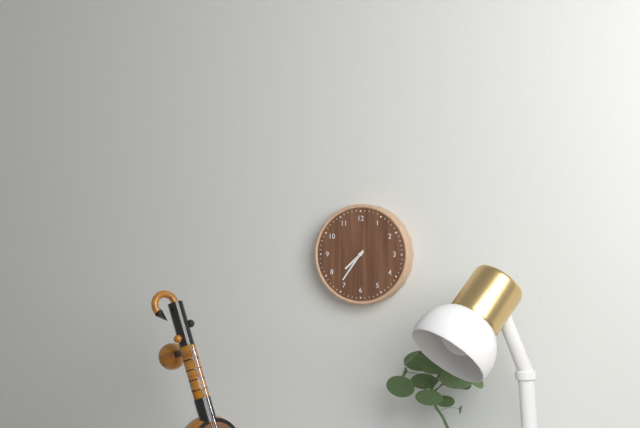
7:36
